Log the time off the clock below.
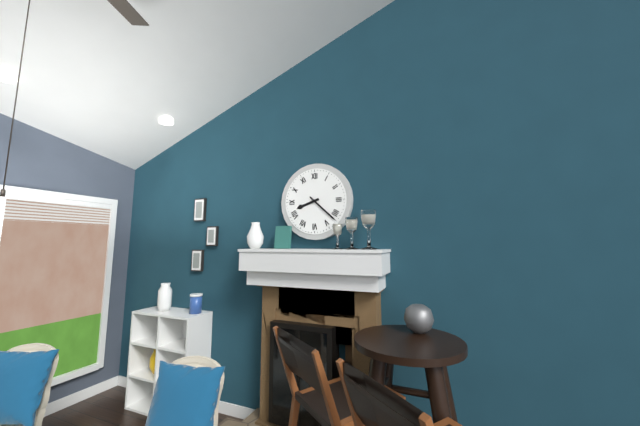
8:22
